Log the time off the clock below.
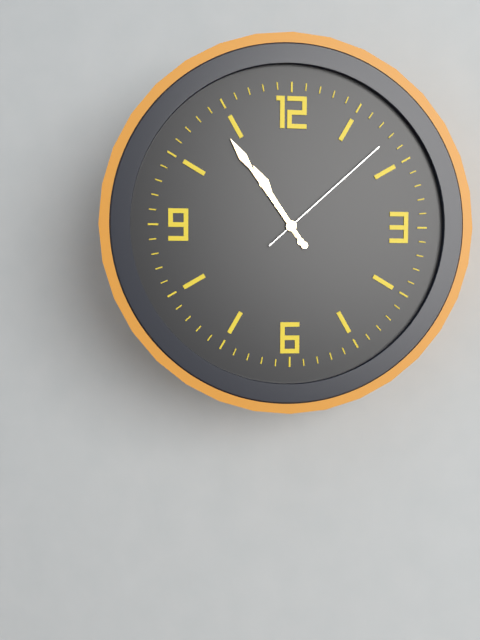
10:54:08
